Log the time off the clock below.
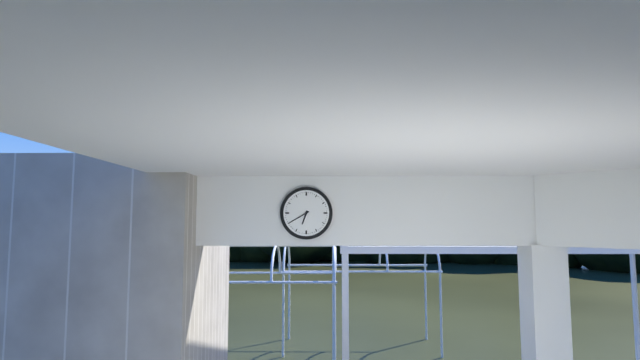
6:40
